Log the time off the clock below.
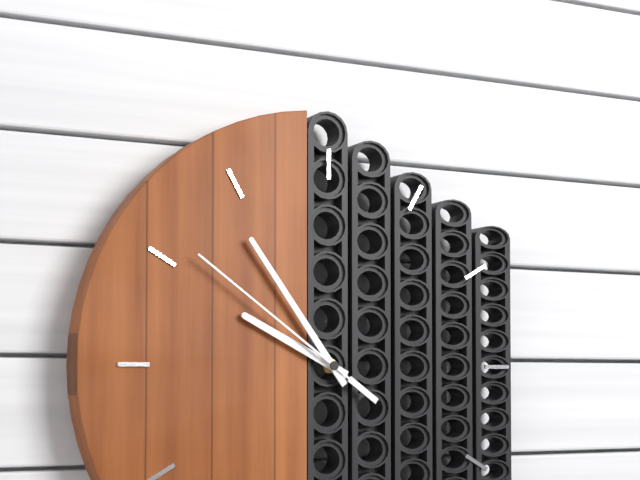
9:54:51
